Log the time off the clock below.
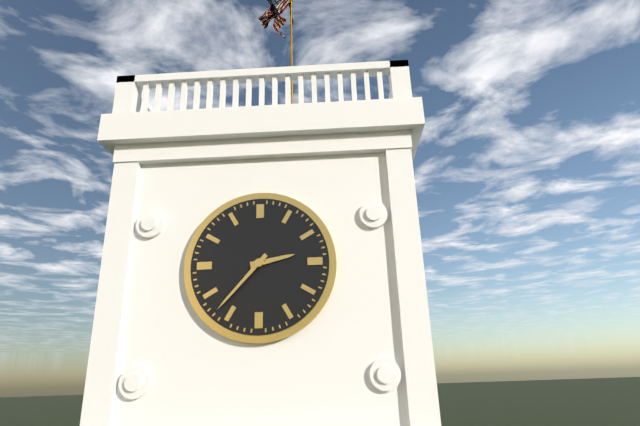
2:37
